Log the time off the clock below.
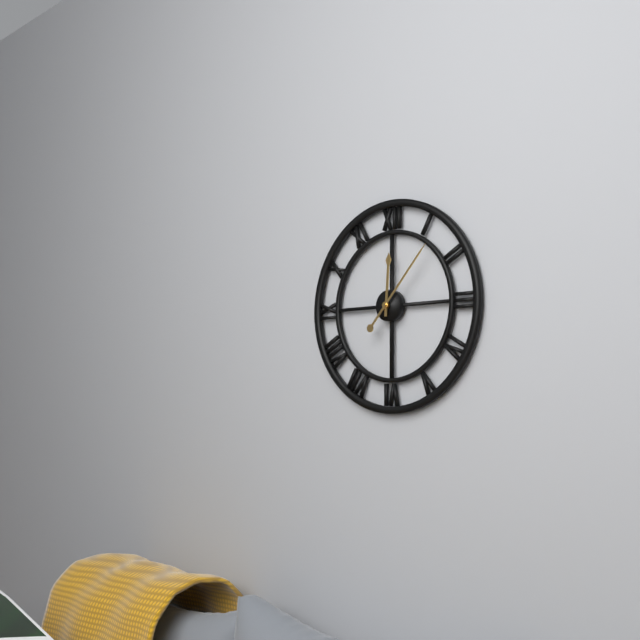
12:07
